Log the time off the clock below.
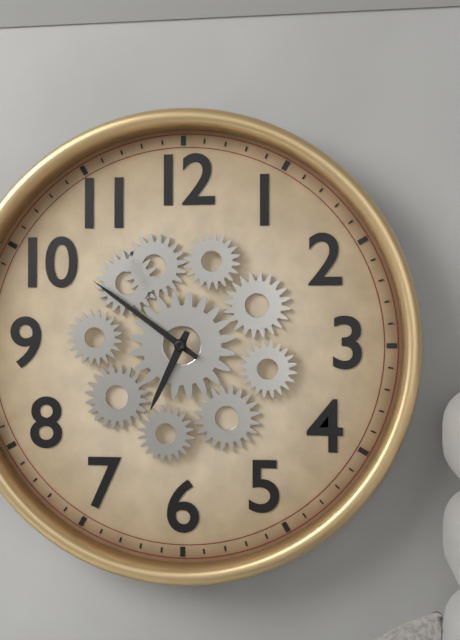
6:51
